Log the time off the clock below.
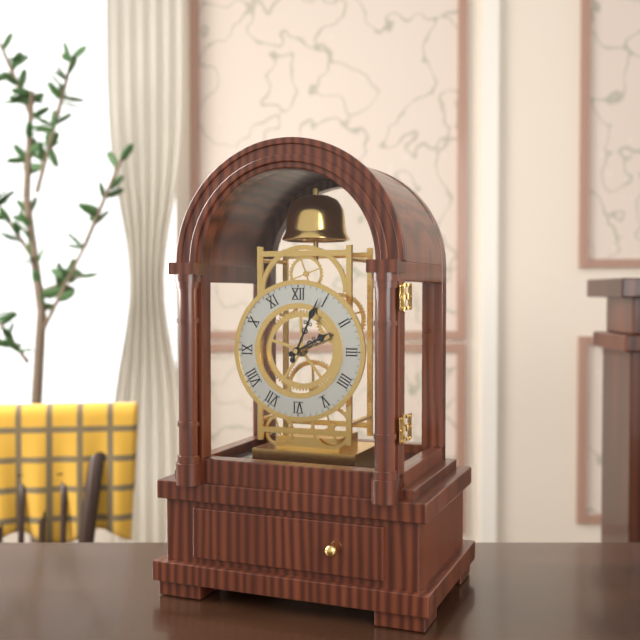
2:04
